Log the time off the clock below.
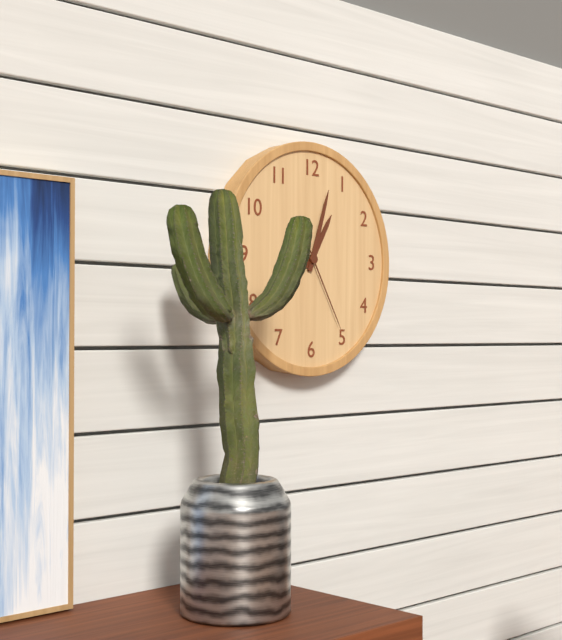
1:03:25
